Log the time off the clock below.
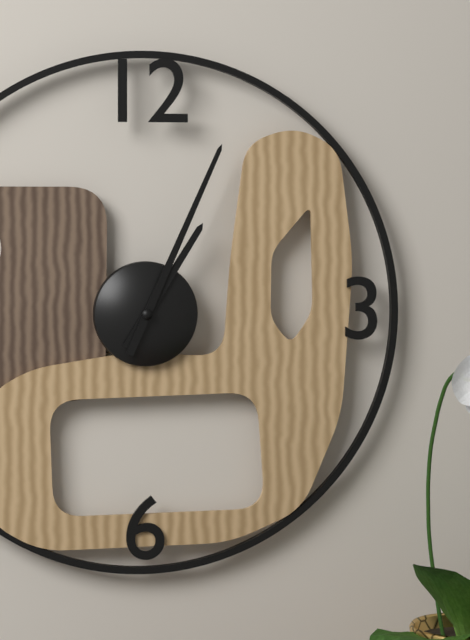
1:04
